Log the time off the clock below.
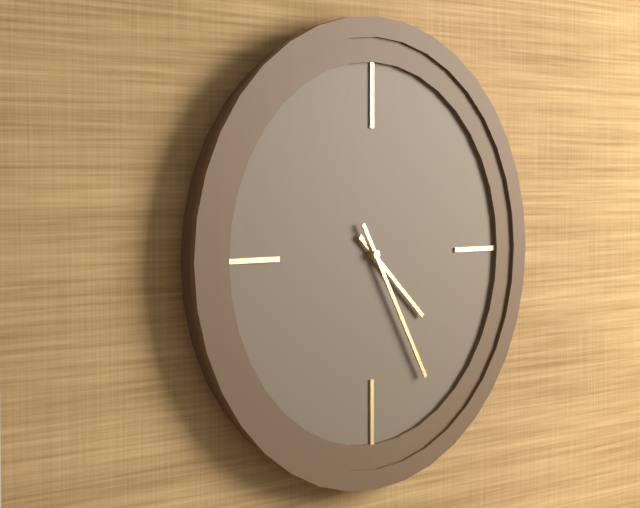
4:25
